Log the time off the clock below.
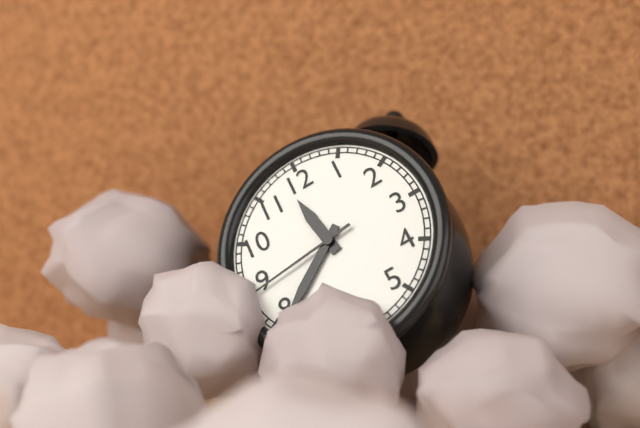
11:39:44
